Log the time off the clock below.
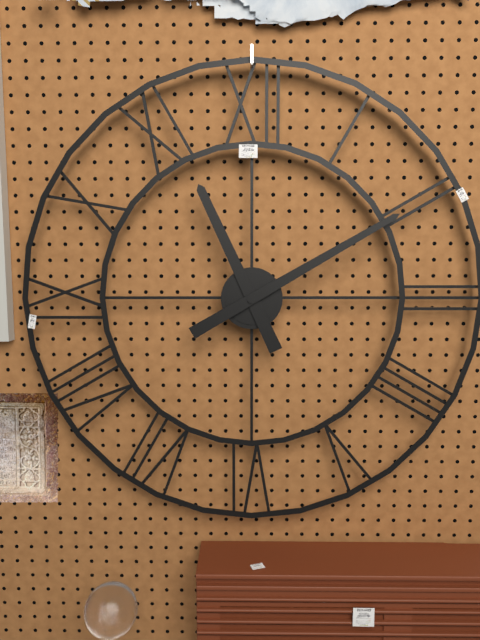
11:10
